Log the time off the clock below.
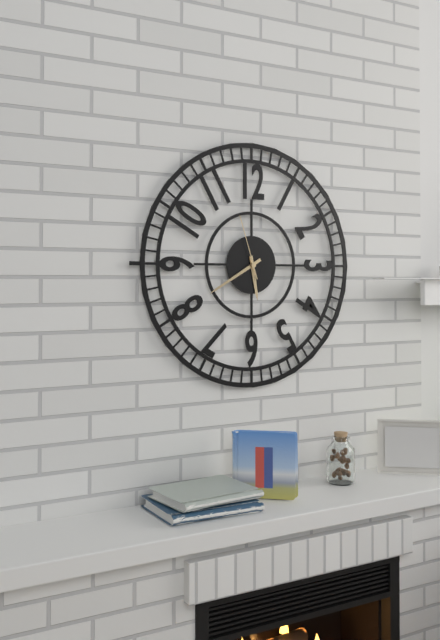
5:40:57
